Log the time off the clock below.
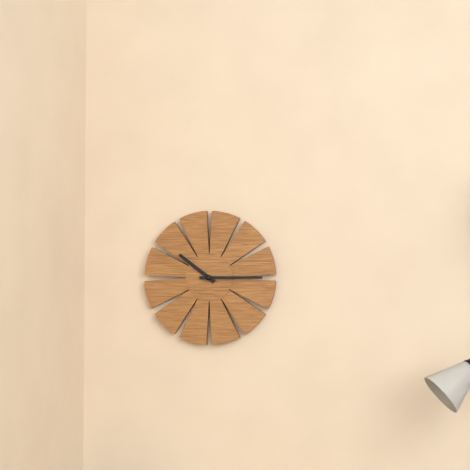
10:15
